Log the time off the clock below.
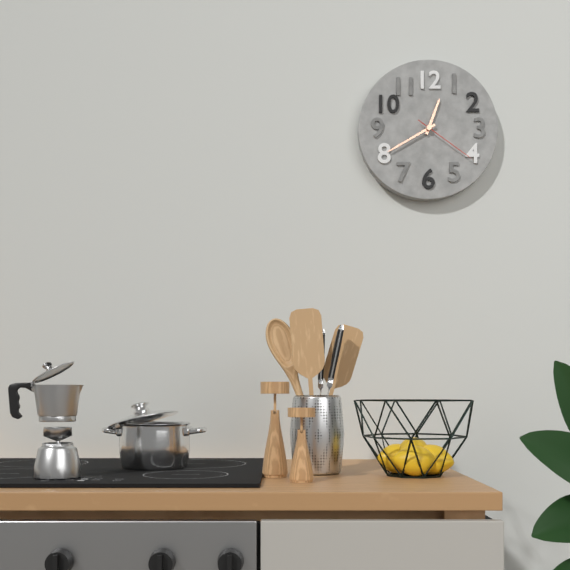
12:40:21
